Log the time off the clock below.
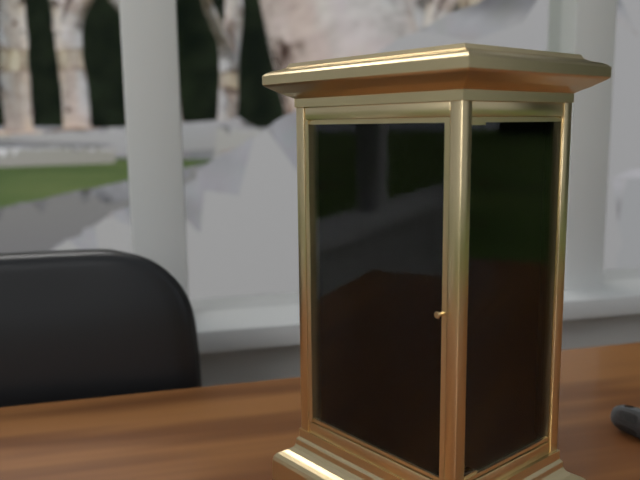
7:11
